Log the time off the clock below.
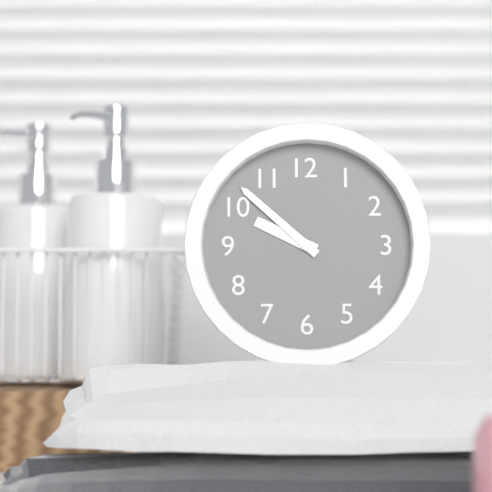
9:52
